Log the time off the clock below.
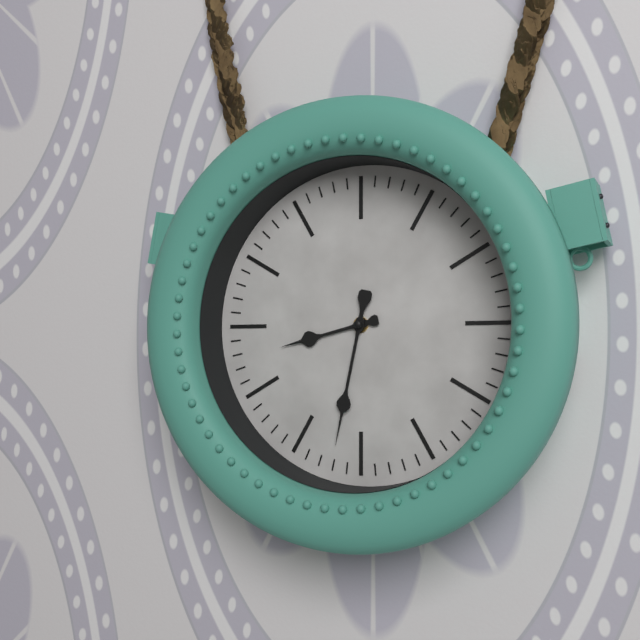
8:32
